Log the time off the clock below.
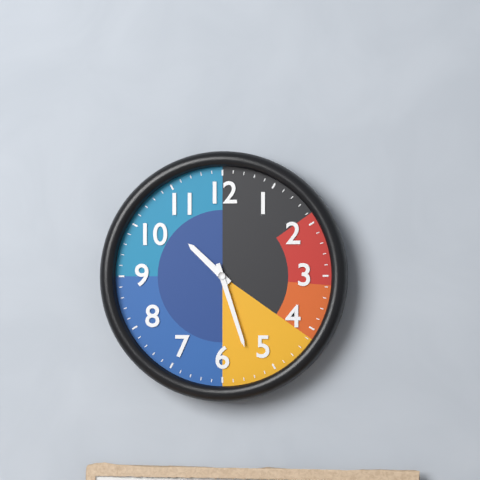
10:27
